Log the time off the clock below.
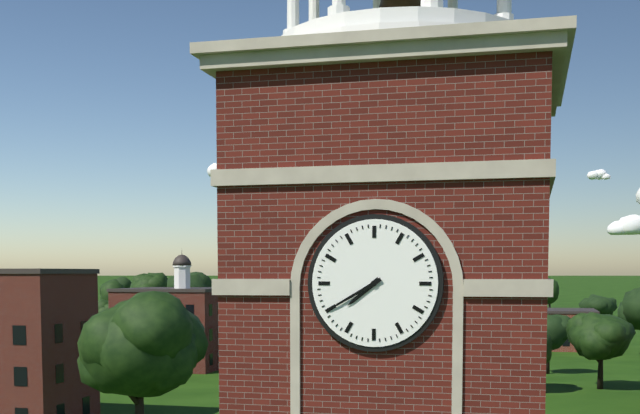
7:40
